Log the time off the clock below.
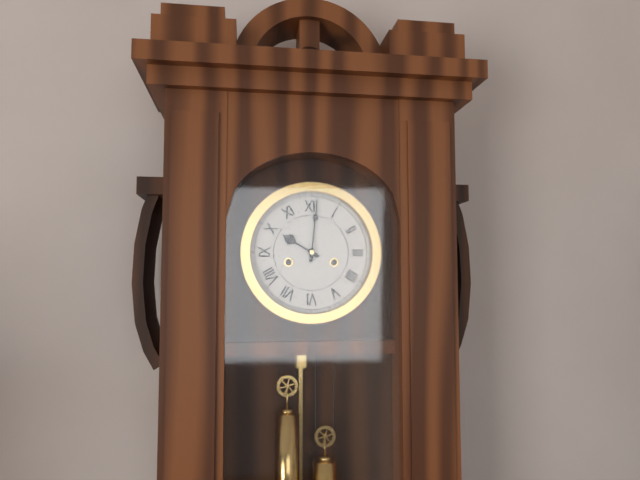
10:01
